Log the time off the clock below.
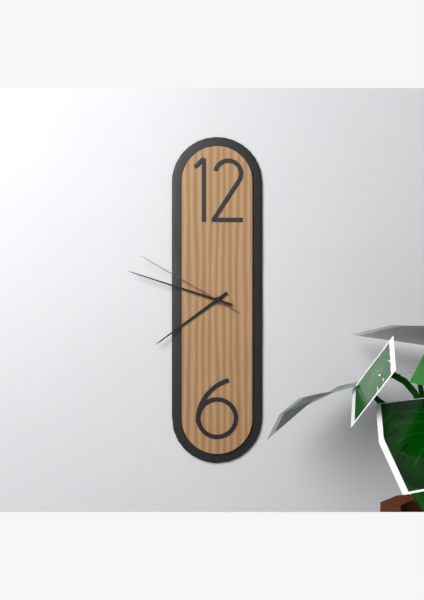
7:48:50
